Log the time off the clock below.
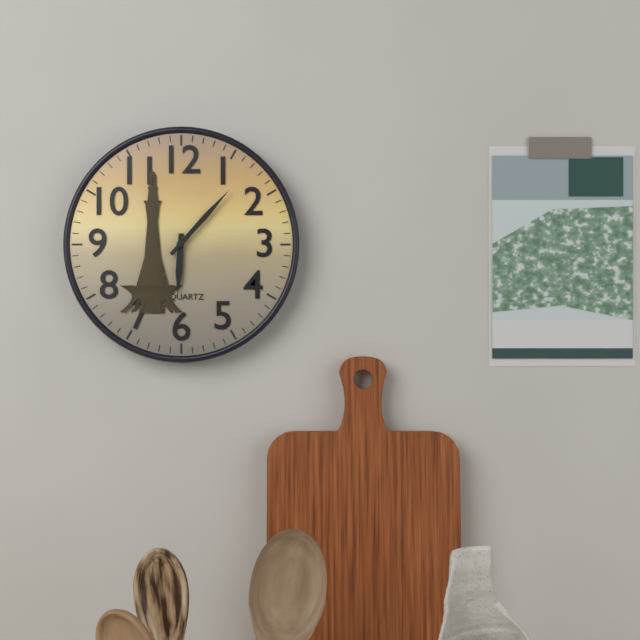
6:07
